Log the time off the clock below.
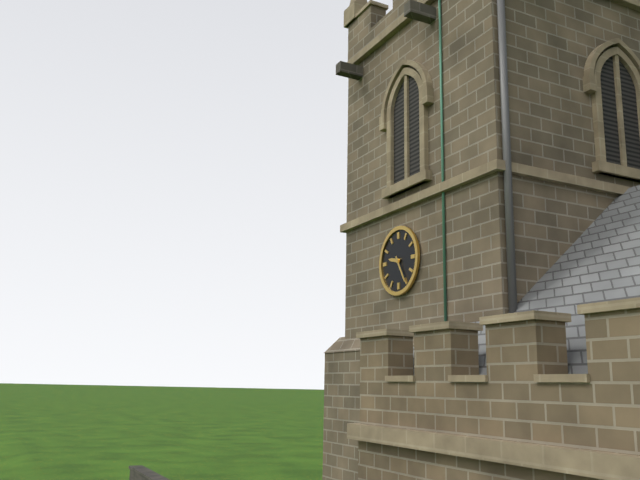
9:25
